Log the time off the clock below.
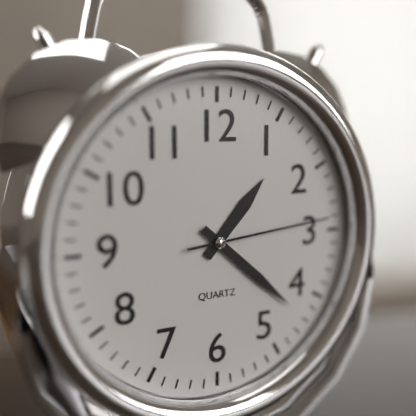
1:22:14
